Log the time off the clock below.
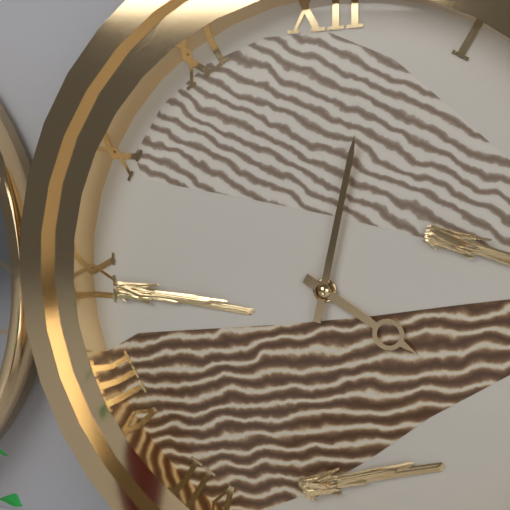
4:02
